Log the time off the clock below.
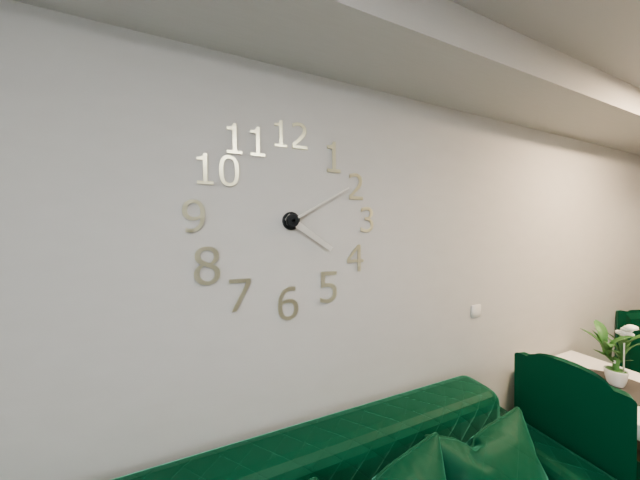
4:10
